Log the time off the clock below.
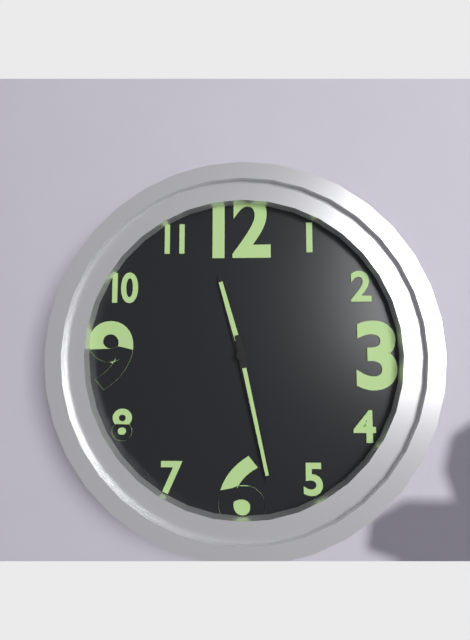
11:28
